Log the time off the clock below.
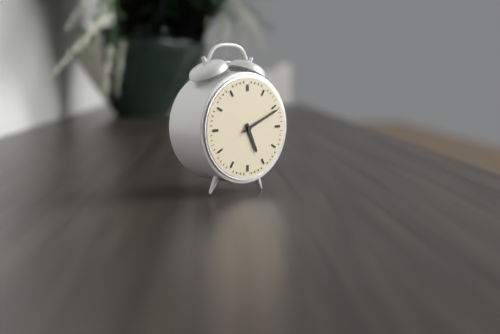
5:11
